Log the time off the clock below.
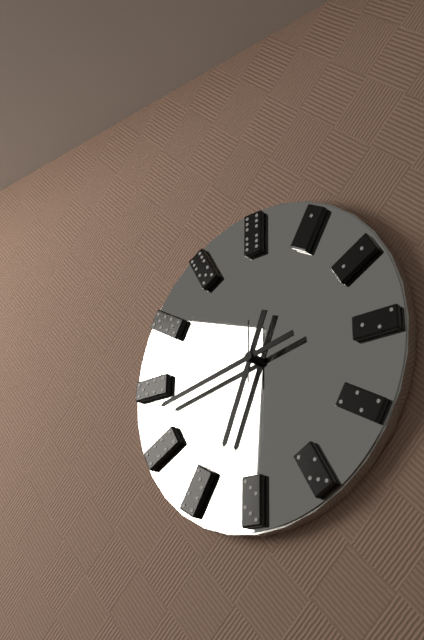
6:43:00
